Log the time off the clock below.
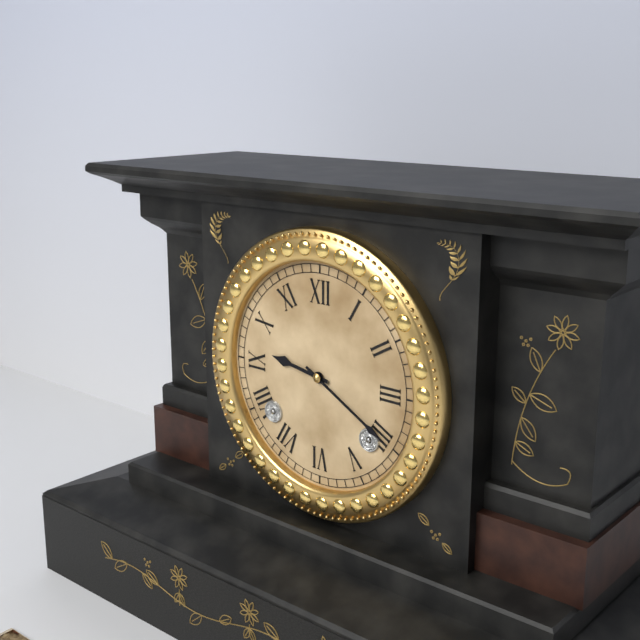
9:20
